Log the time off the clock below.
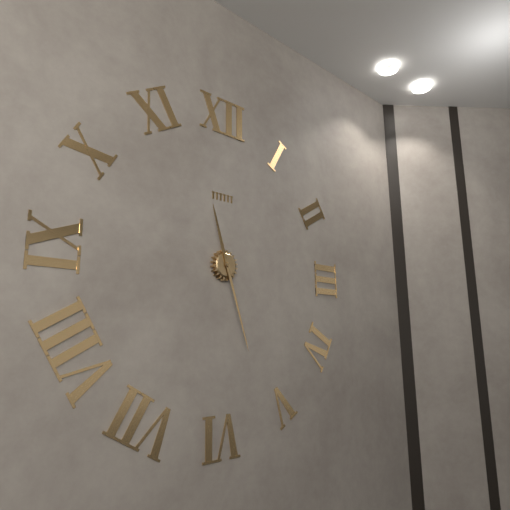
11:27
